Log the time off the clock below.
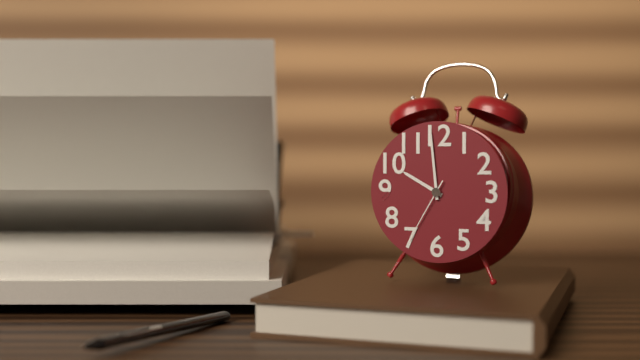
9:59:35
